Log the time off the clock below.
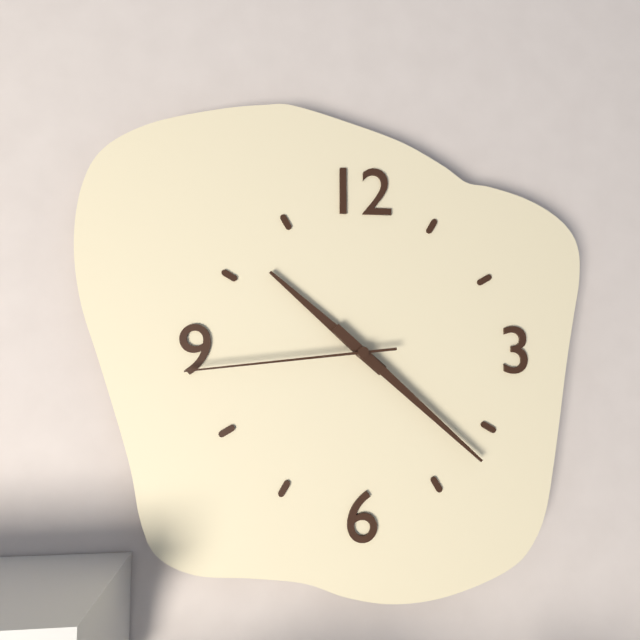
10:22:44
